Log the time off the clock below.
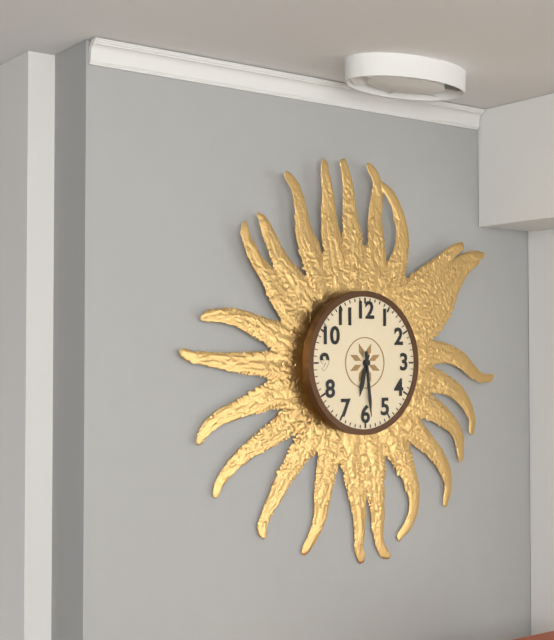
6:29
